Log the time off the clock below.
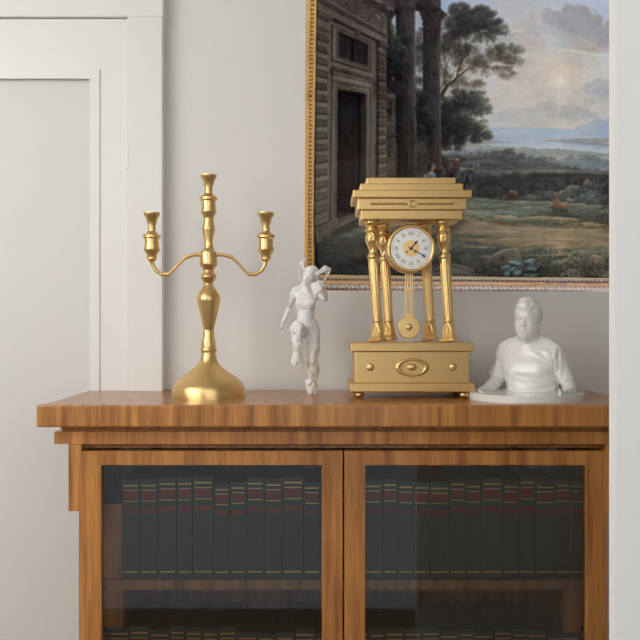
1:20
